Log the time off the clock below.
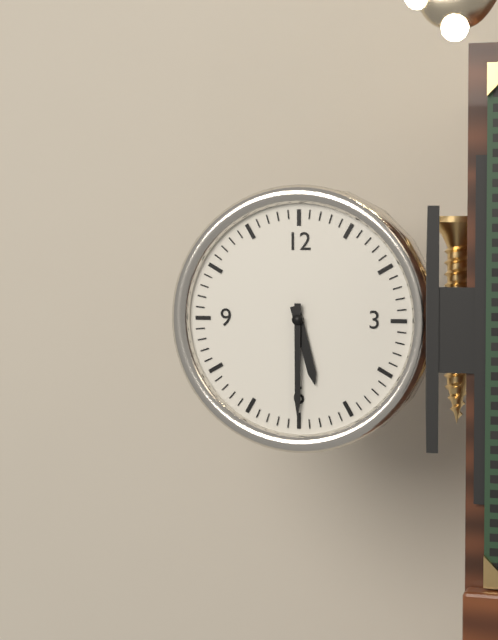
5:30
